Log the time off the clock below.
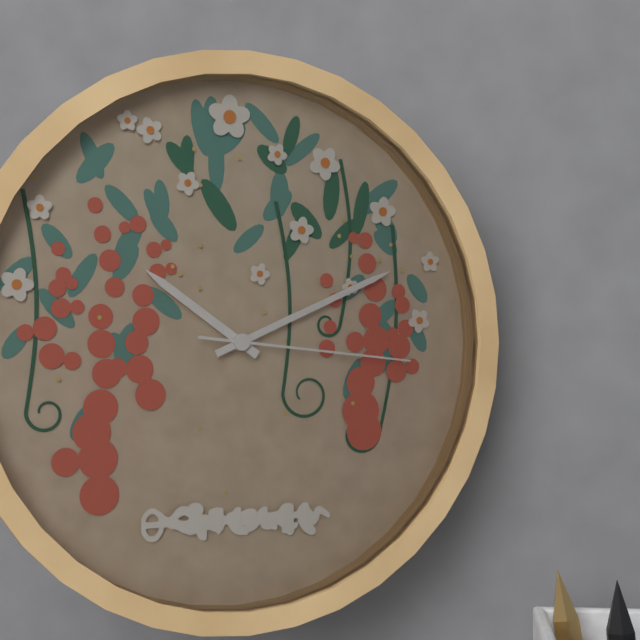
10:11:16
